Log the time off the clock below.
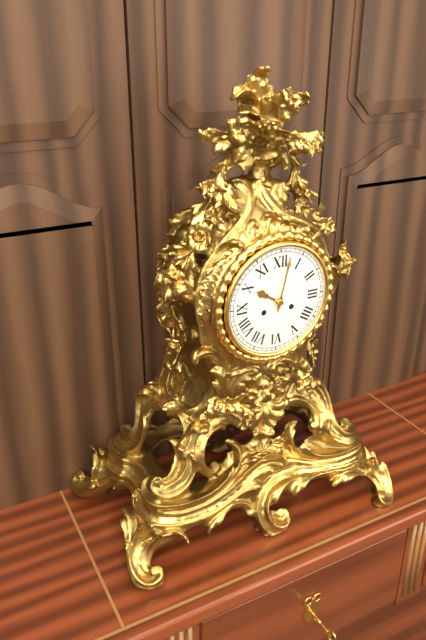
10:02
